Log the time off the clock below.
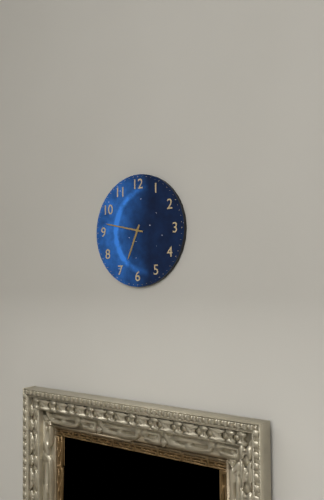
6:47
